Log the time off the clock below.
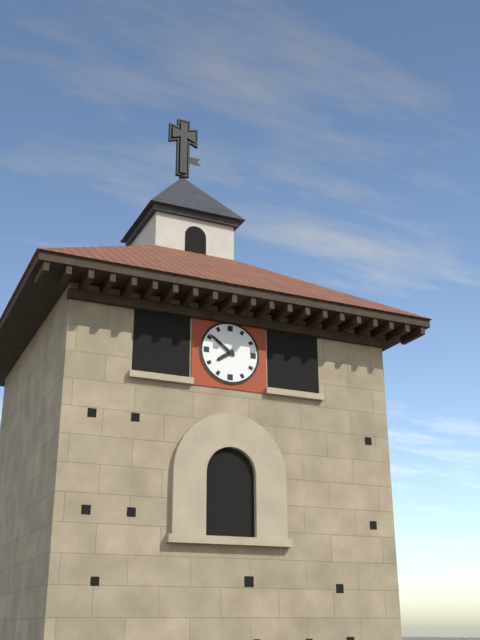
7:51
